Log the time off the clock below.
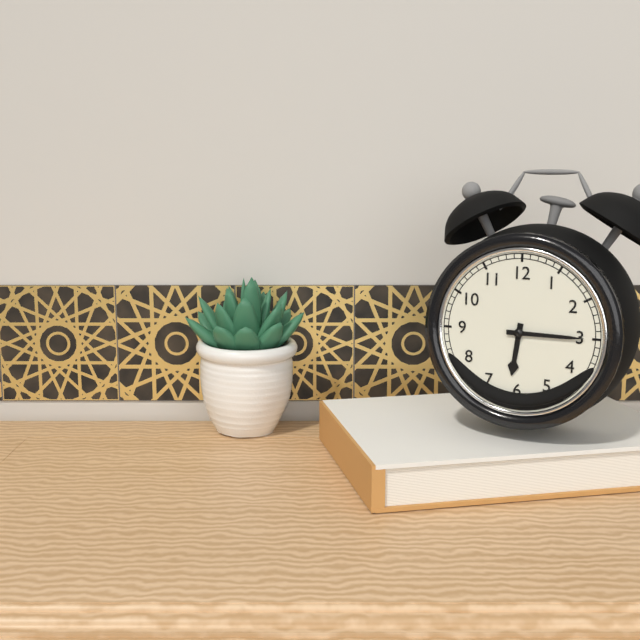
6:15
